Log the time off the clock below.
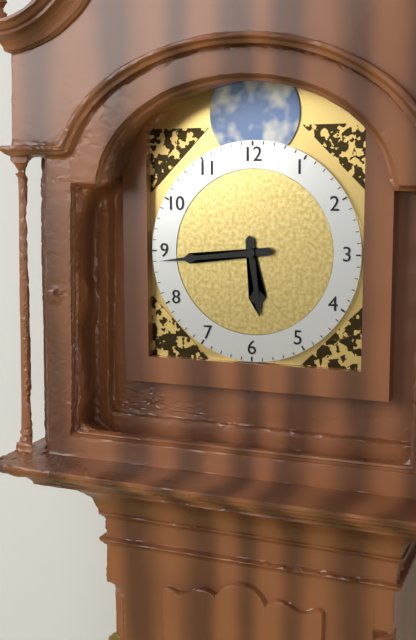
5:44
